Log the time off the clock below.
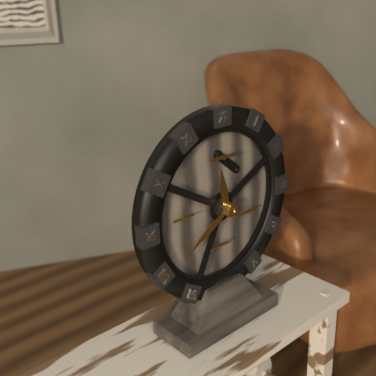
11:40
